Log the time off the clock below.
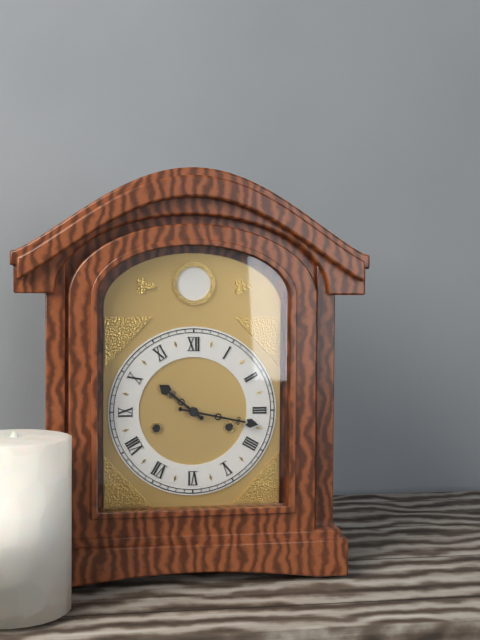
10:17
